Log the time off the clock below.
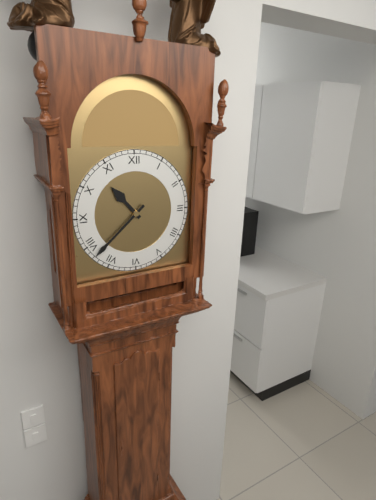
10:38
